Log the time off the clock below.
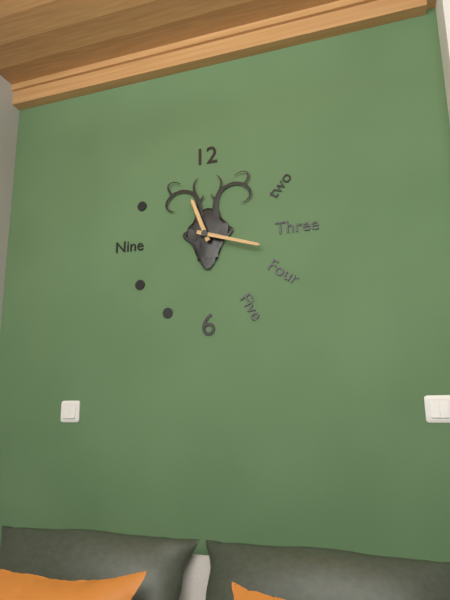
11:18
